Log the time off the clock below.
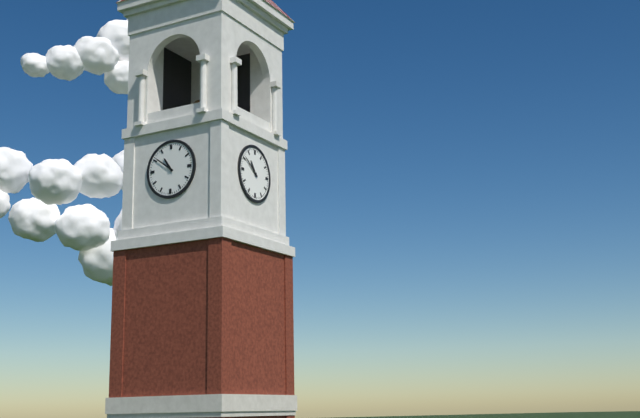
10:51
